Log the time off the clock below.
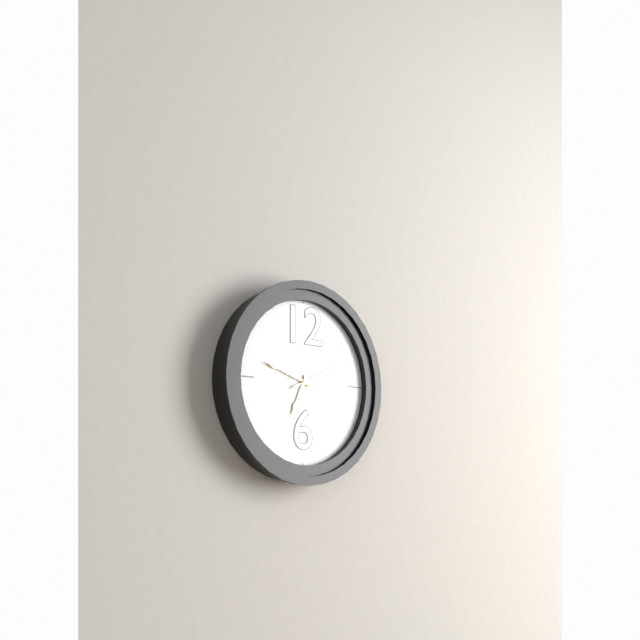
6:48:11
